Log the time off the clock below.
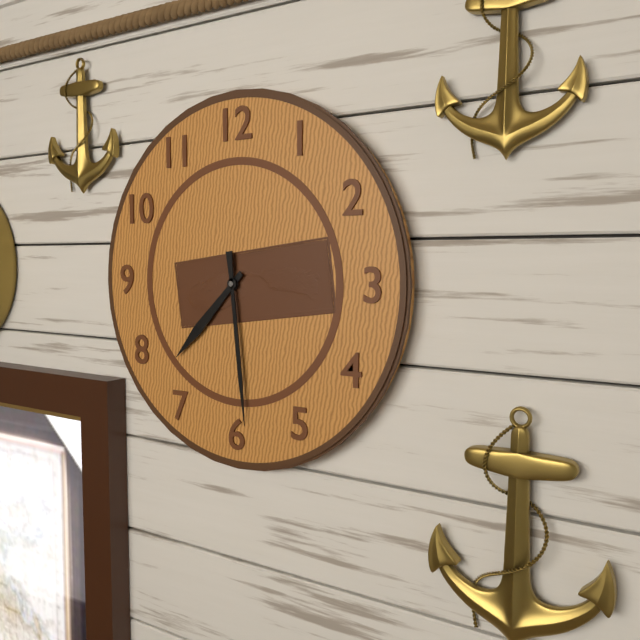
7:29
